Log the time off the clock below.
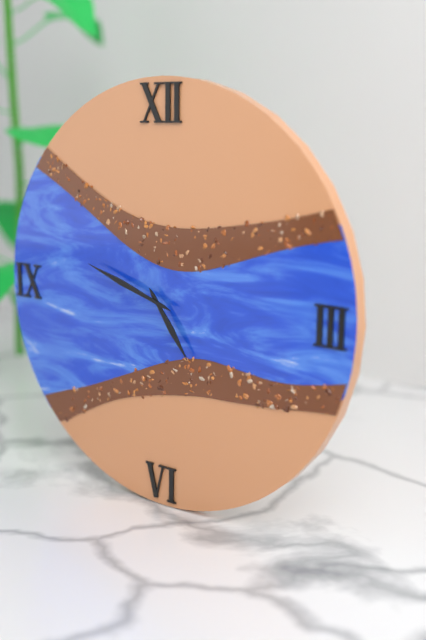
4:48
